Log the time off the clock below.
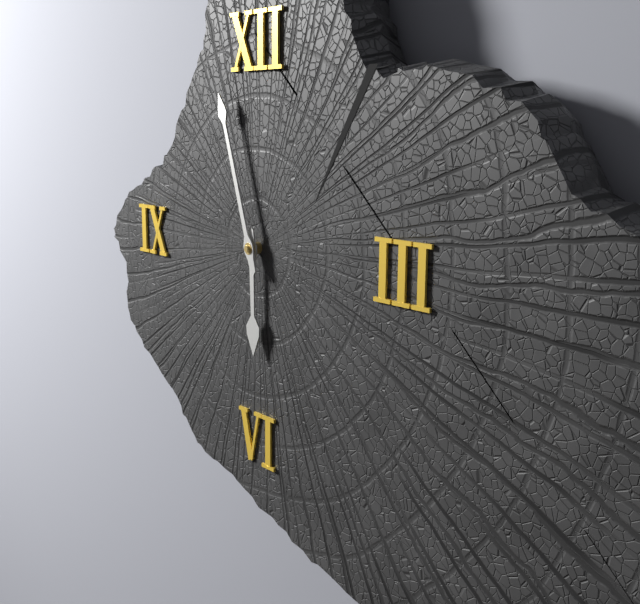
5:57
